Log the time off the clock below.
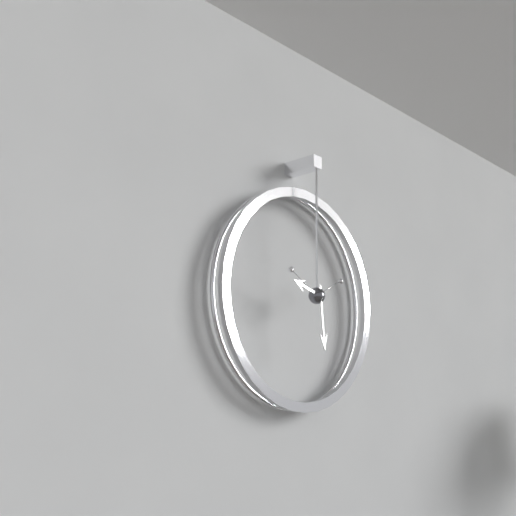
9:29
